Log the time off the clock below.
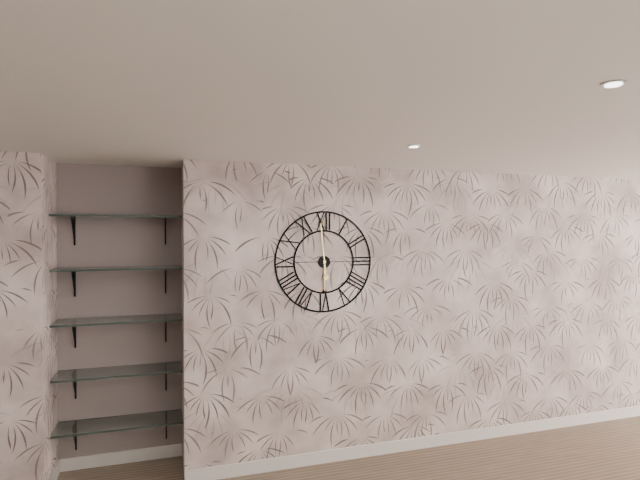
5:59
